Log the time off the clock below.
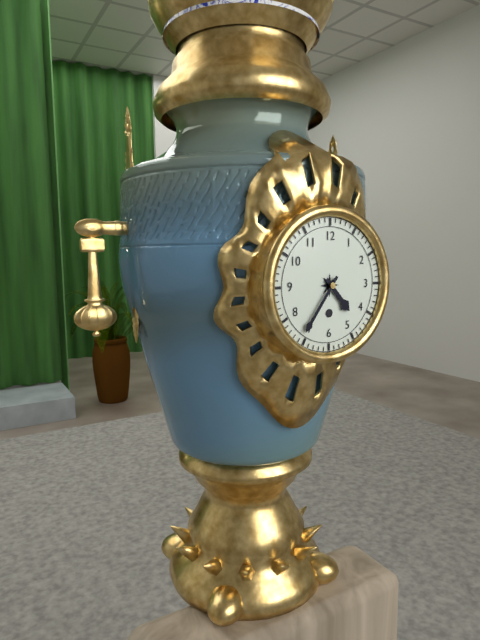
4:36
